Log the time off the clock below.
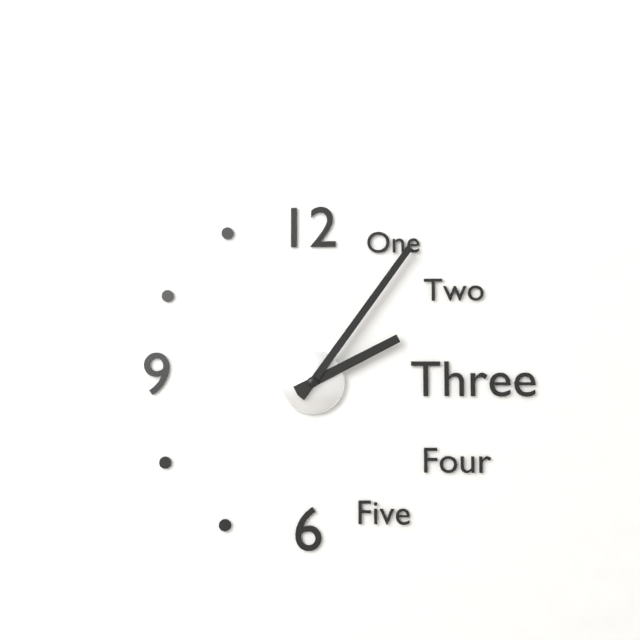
2:06
